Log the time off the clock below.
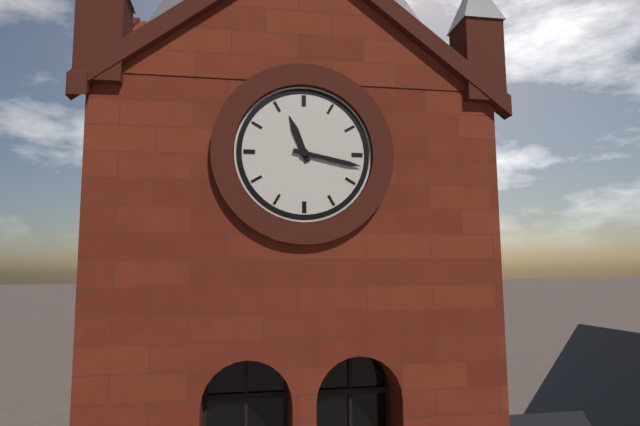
11:17
